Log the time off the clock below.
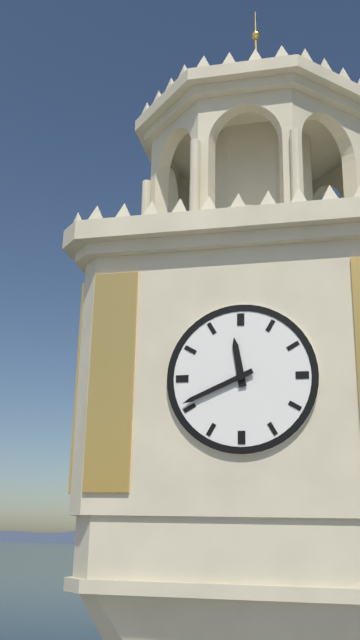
11:41
